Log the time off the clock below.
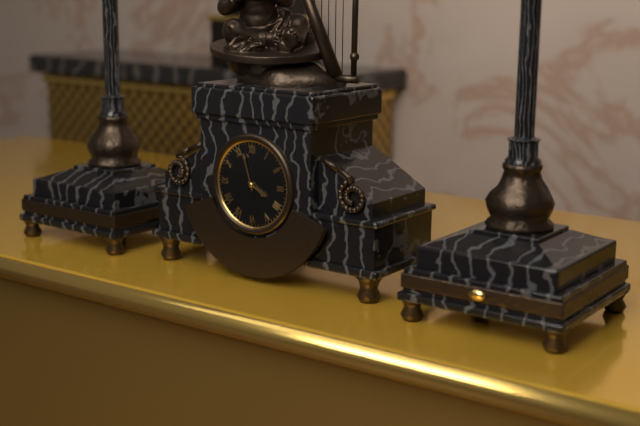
3:57
